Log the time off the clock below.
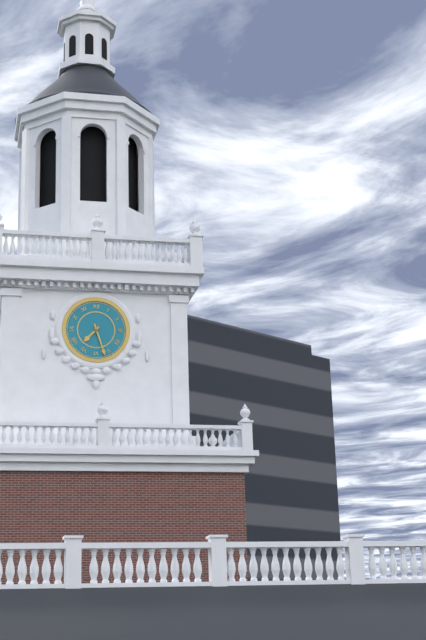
7:27
